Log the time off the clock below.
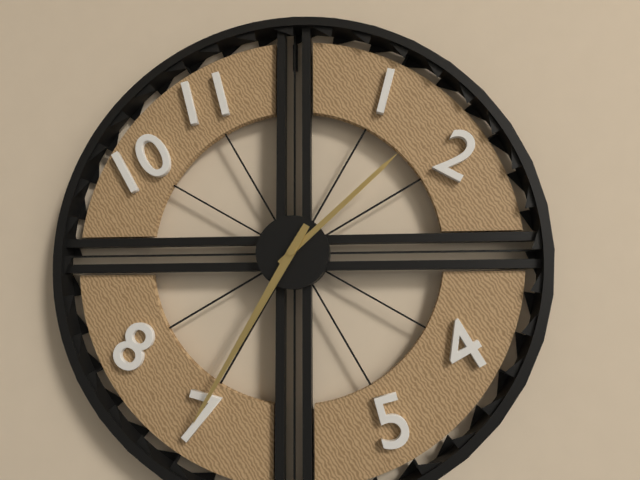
1:35
